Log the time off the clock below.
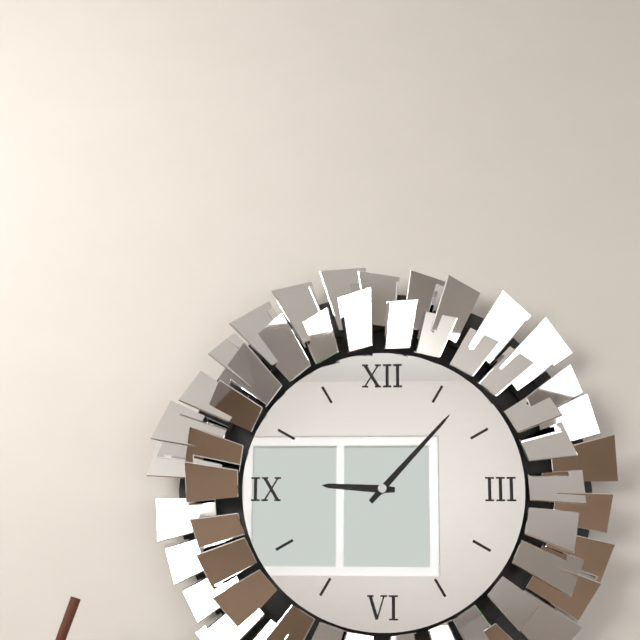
9:07
